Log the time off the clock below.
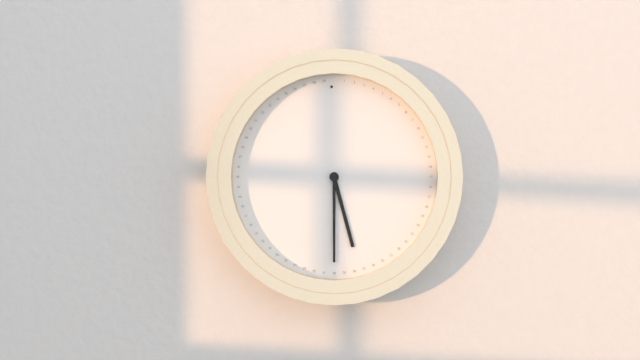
5:30
